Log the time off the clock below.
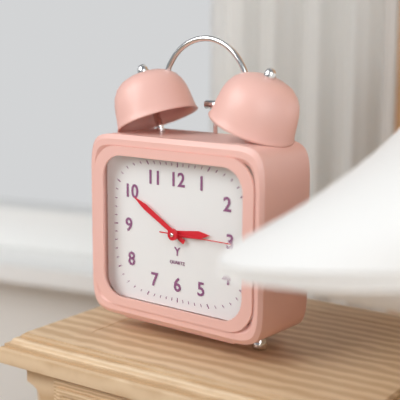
2:50:15
